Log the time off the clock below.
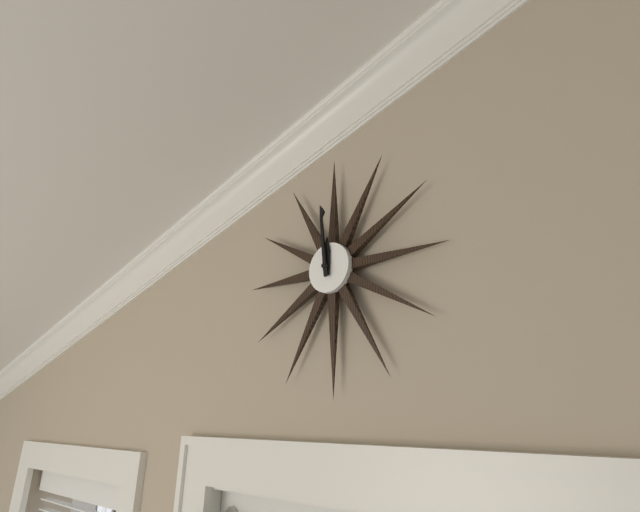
11:59
